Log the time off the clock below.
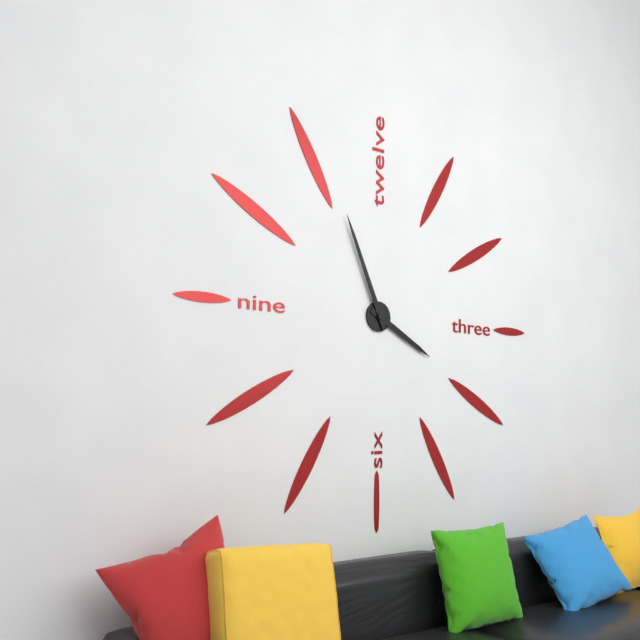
3:56
